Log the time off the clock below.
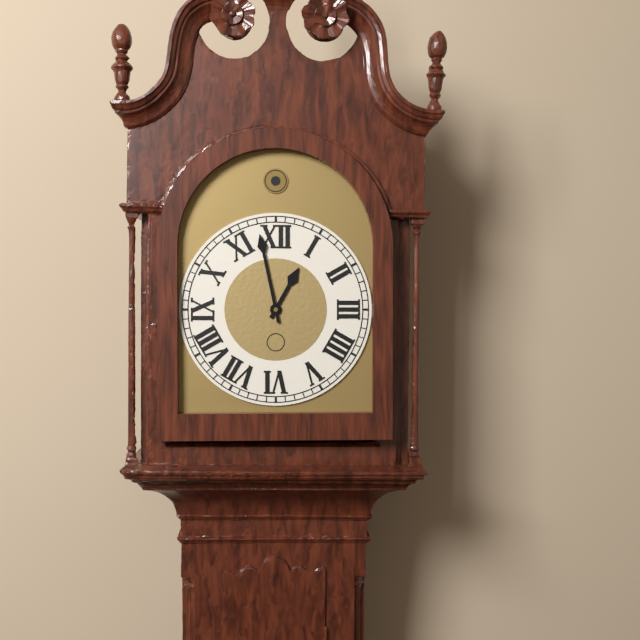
12:58
